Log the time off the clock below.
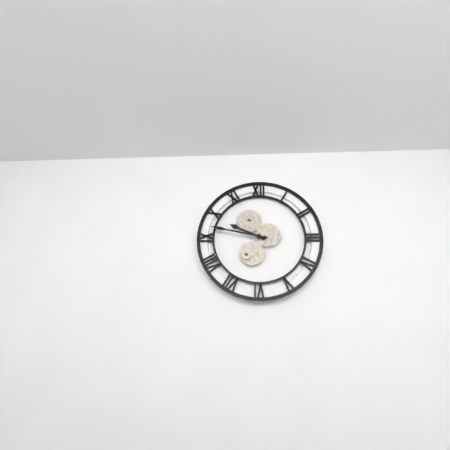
9:47
